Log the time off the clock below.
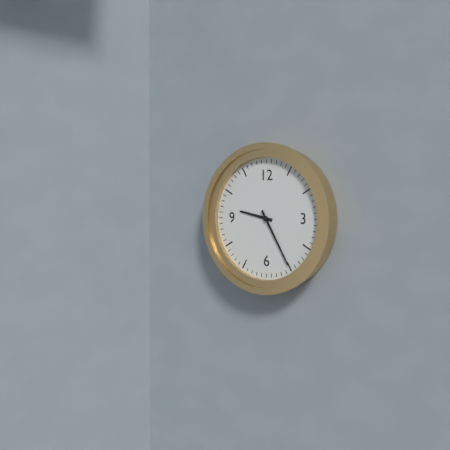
9:25
